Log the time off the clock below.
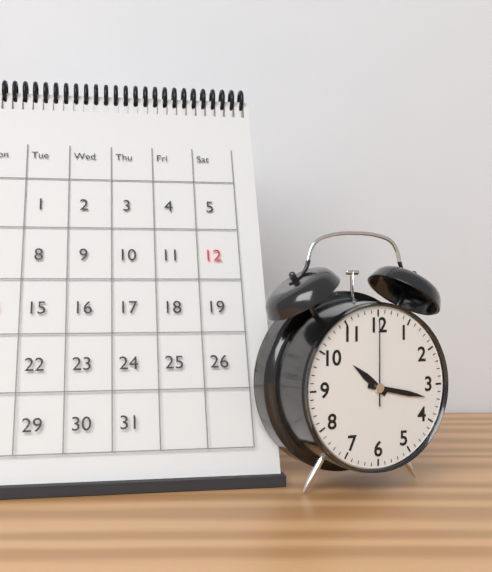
10:17:00
